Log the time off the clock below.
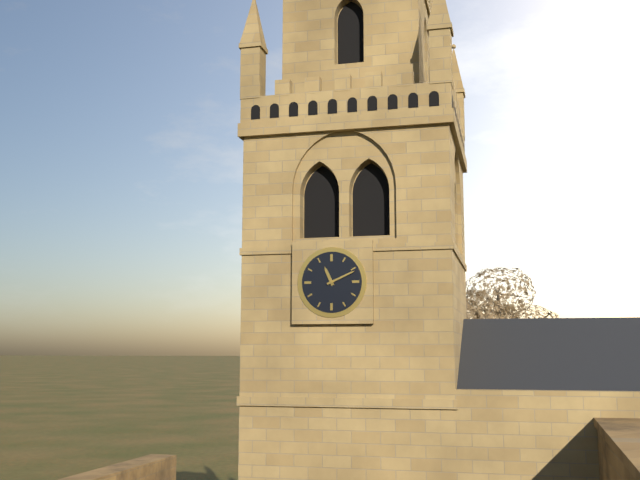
11:11
